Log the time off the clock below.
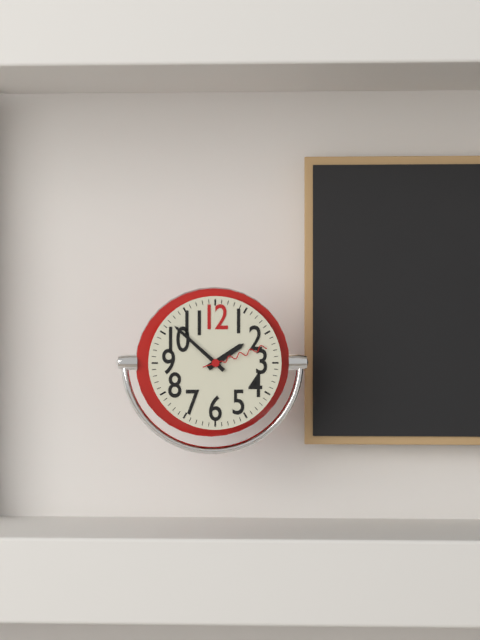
1:52:12
